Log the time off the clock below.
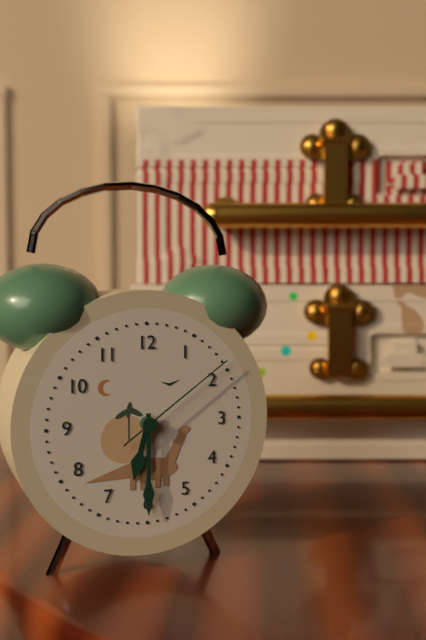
6:30:09
